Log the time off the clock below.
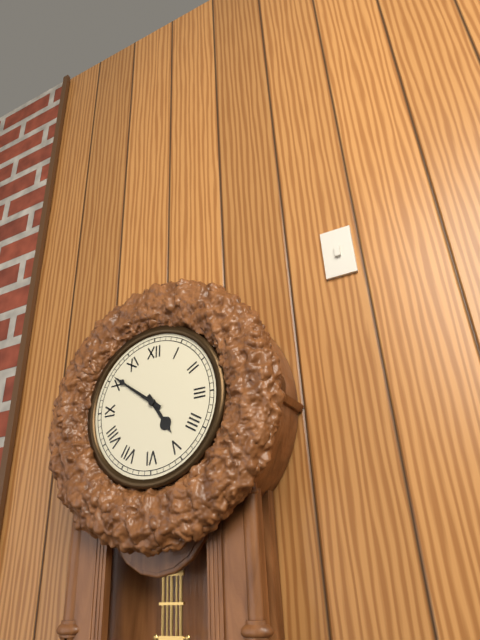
4:51
